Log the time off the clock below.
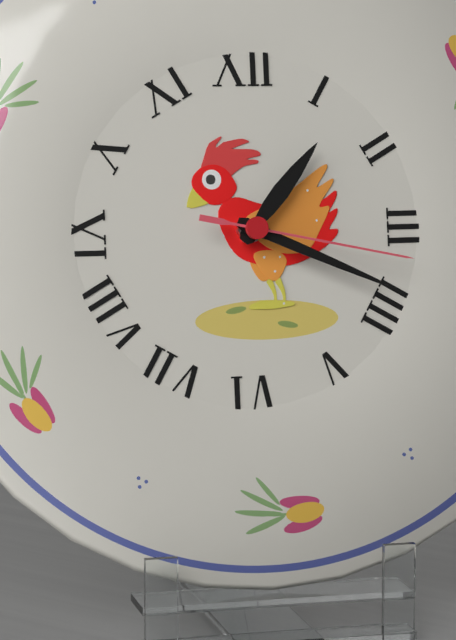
1:19:17
